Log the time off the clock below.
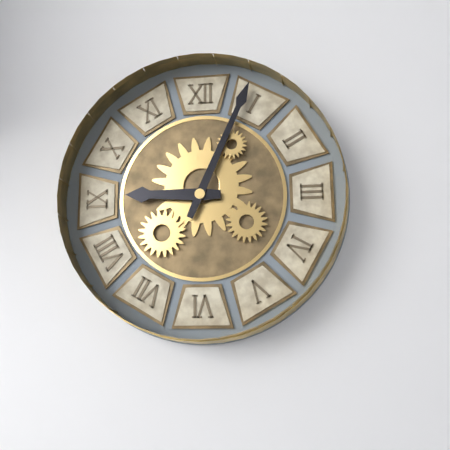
9:04
